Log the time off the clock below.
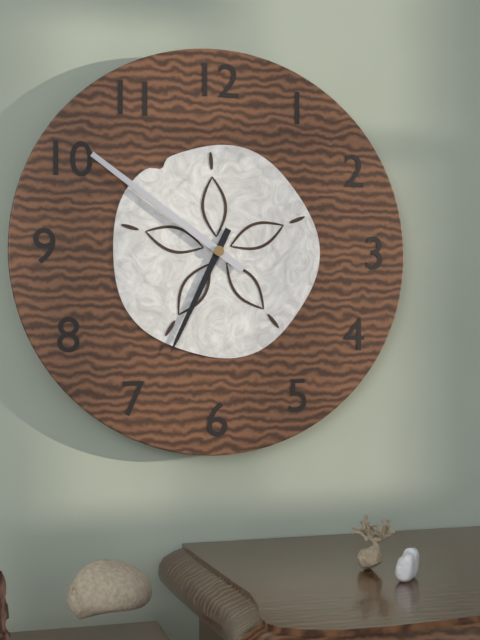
6:51
